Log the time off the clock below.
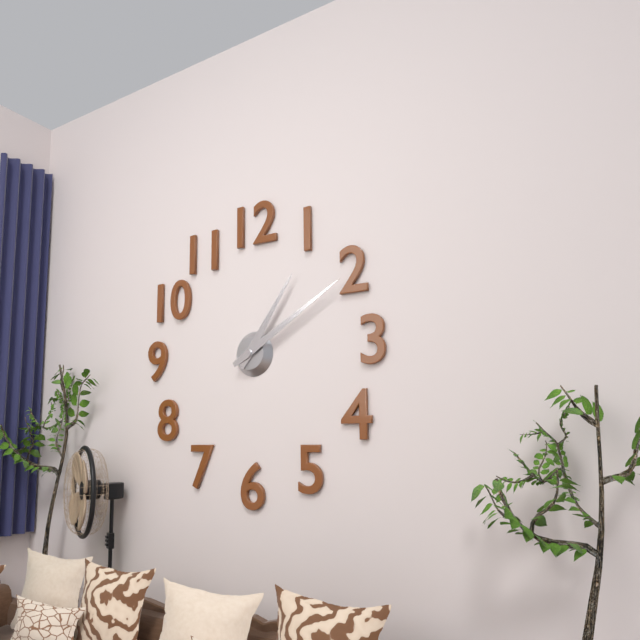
1:10
